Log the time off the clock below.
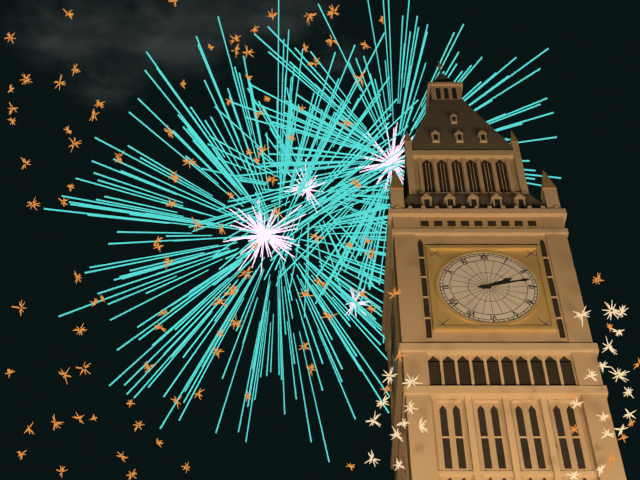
2:13
